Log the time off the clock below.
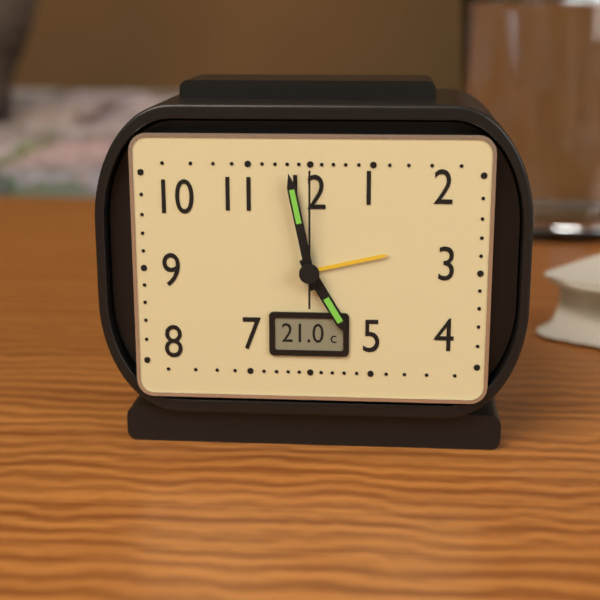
4:58:00
